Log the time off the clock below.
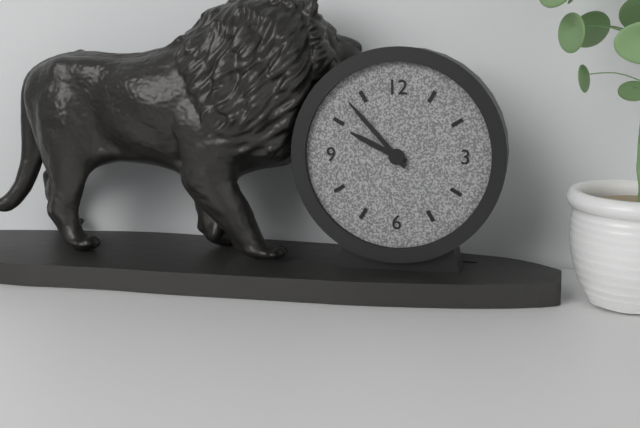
9:53
